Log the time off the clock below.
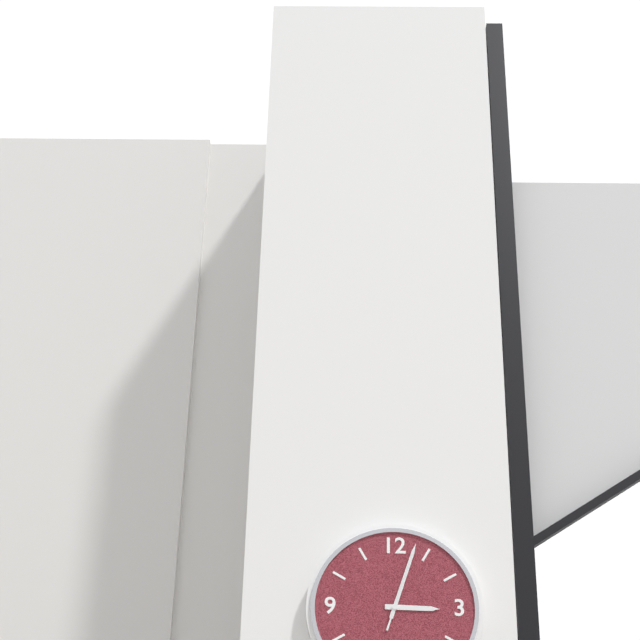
3:03:03
